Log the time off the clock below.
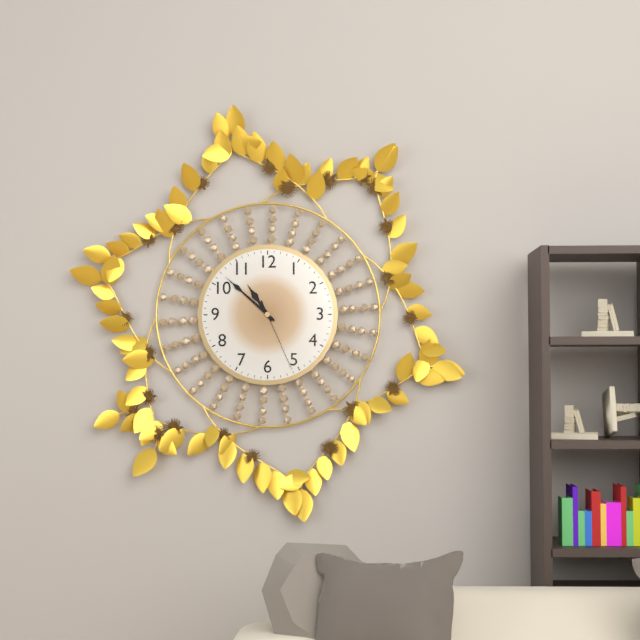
10:52:26
